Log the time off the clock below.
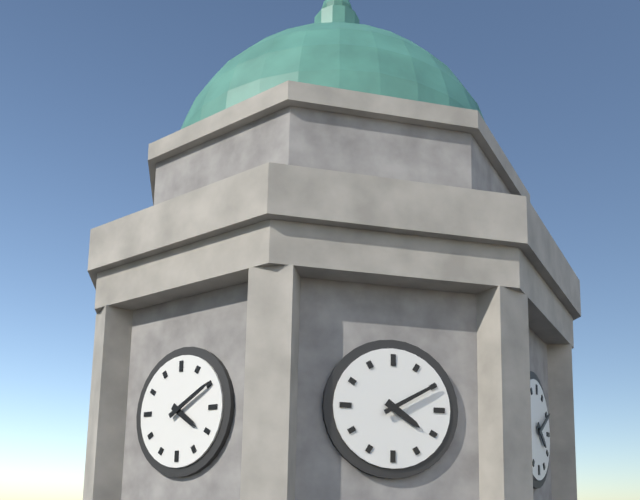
4:10
